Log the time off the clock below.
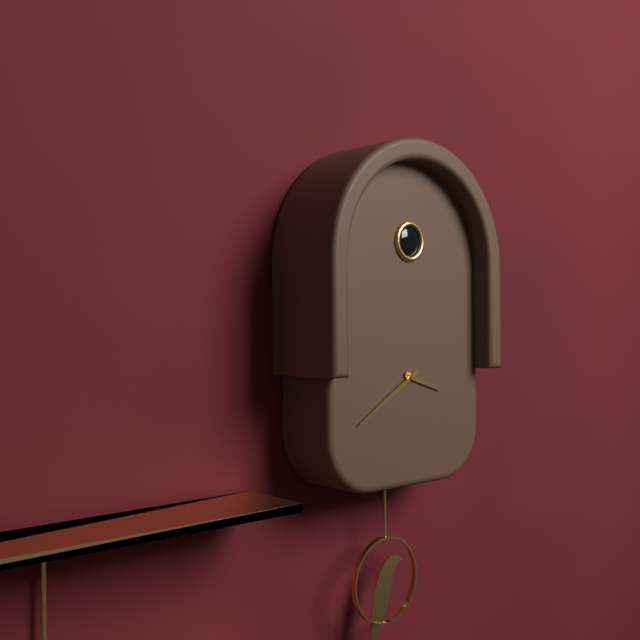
3:40
